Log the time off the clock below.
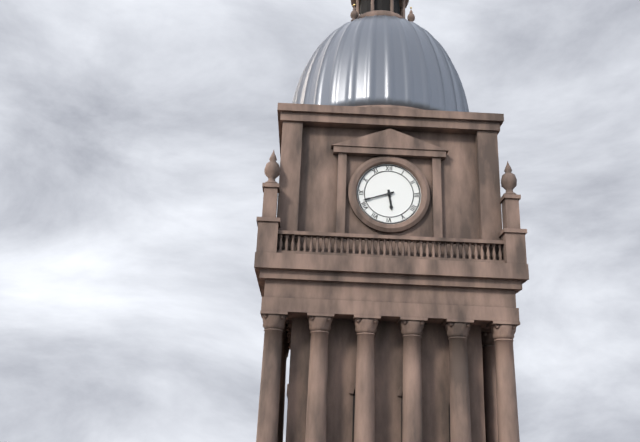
5:42
